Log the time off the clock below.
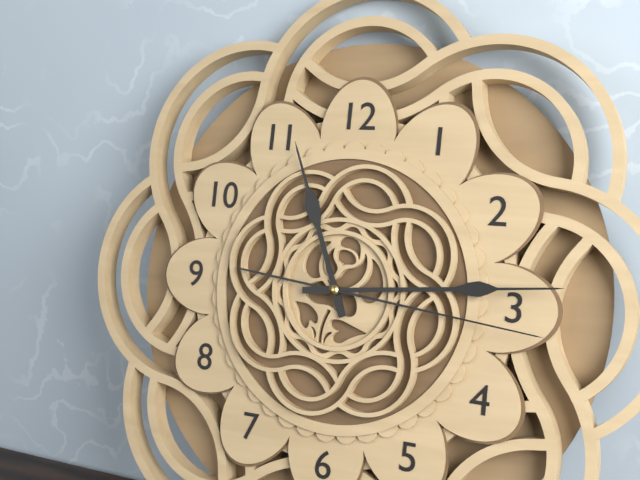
11:14:16
